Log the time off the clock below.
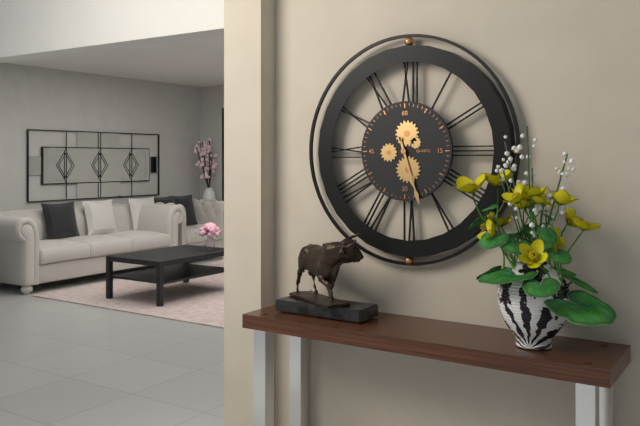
5:27
